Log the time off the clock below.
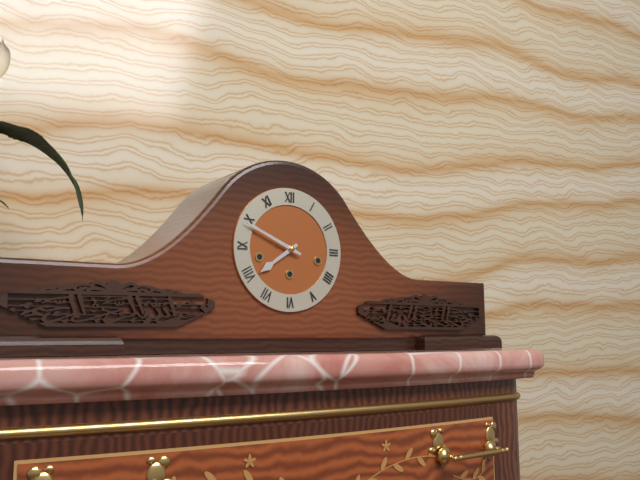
7:49
